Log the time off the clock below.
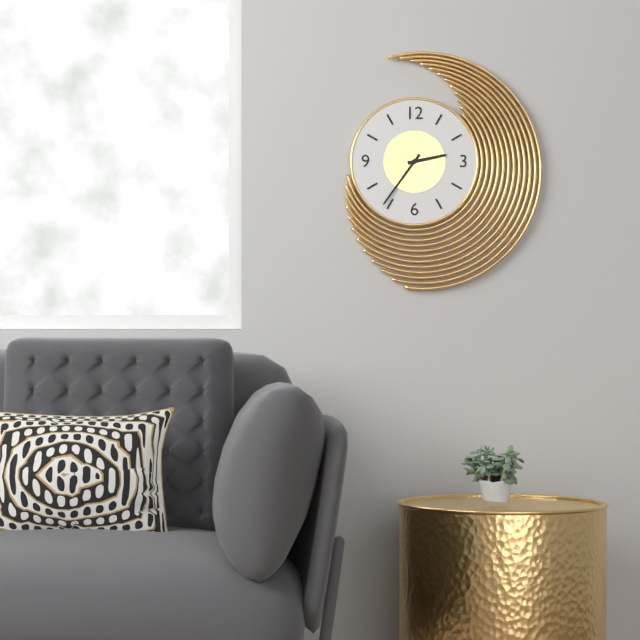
2:36
